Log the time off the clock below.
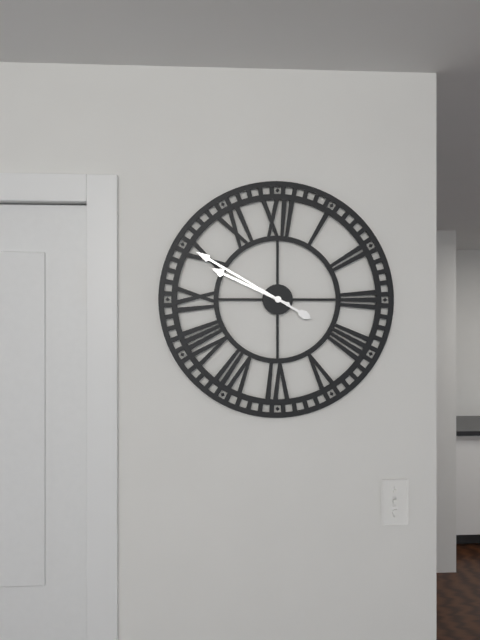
9:50
